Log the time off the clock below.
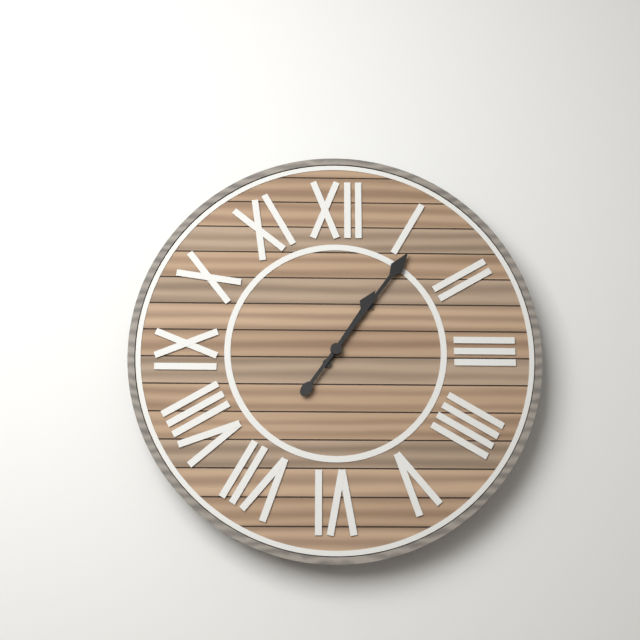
1:06
